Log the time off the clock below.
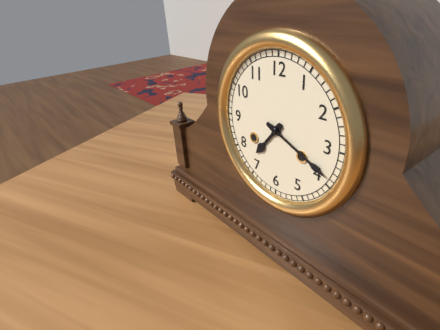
7:19
